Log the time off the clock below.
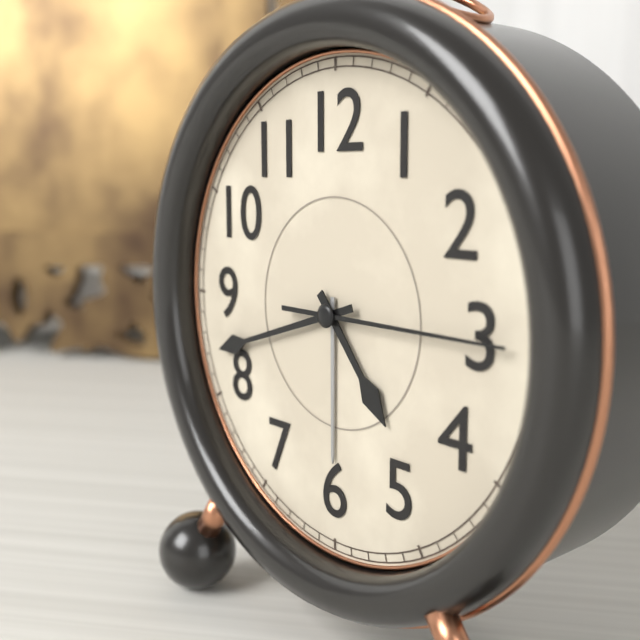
4:42:15
